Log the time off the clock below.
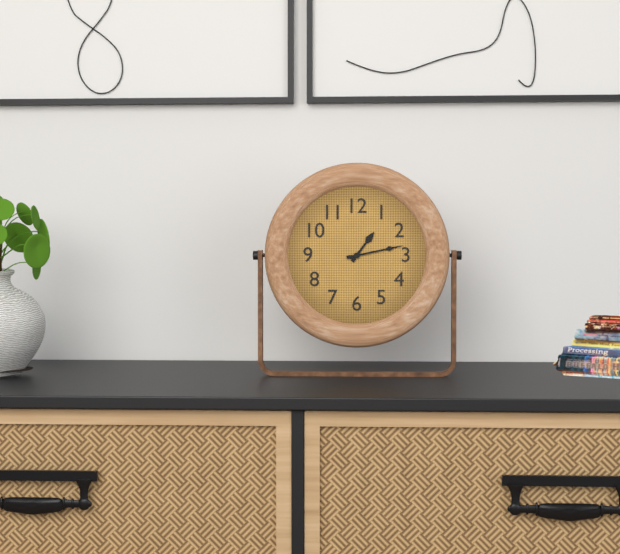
1:13
